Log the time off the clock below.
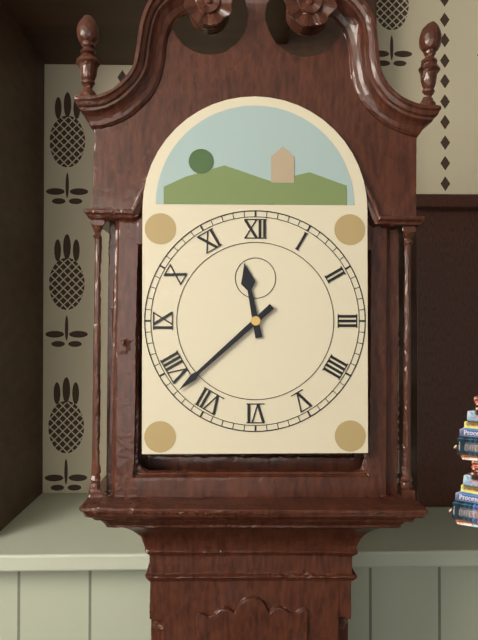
11:38
